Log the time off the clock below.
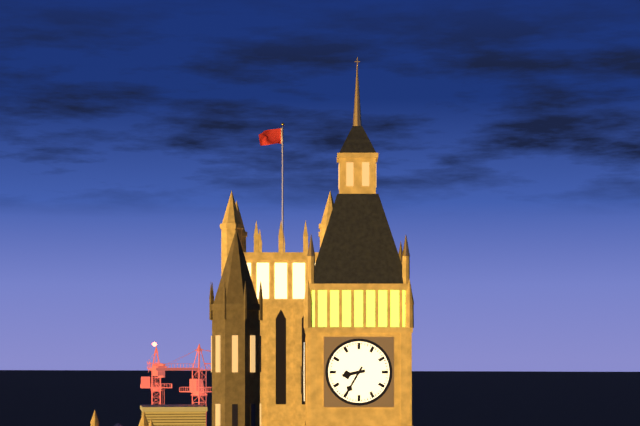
8:35
